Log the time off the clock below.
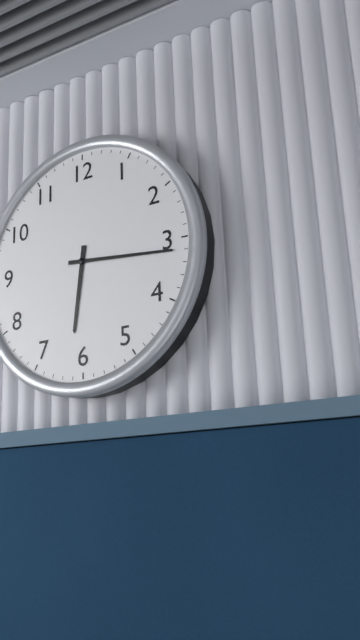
6:16
